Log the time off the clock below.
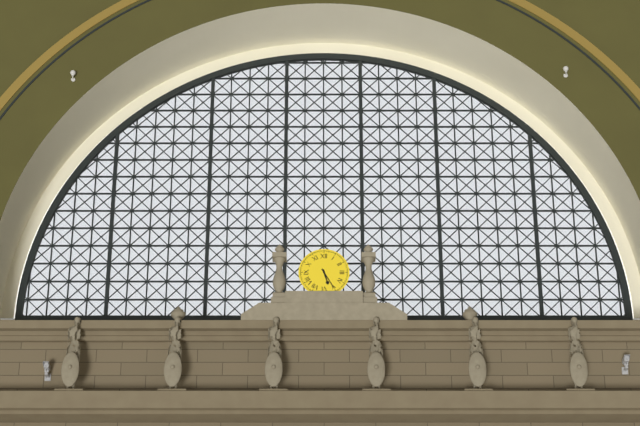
5:25
